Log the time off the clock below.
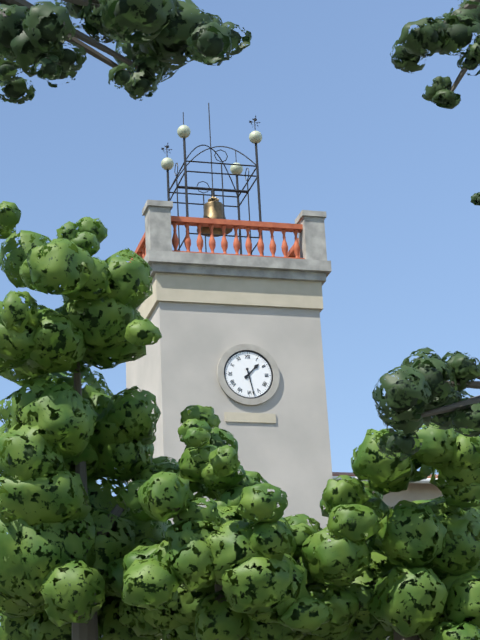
1:28
